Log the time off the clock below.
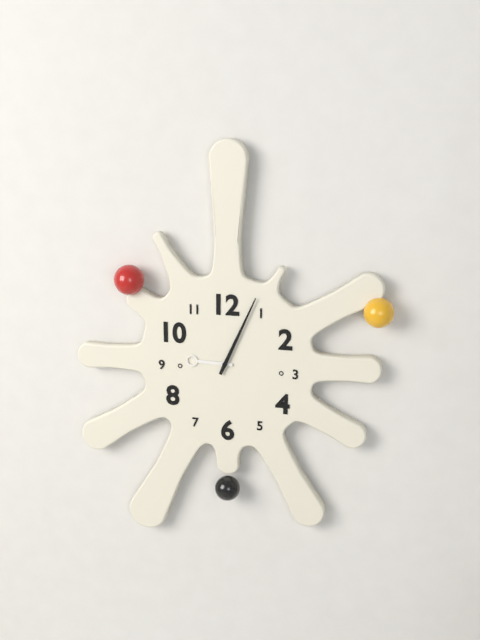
9:04
